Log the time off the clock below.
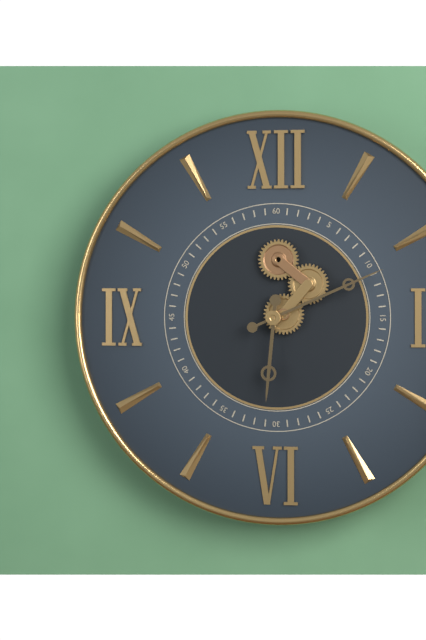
6:11
